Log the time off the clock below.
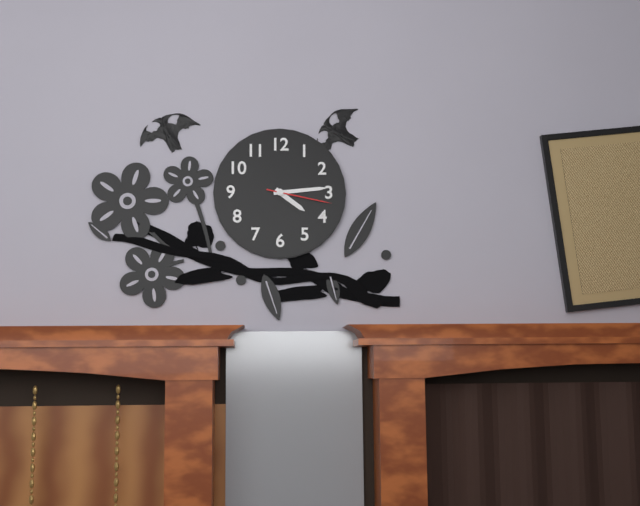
4:14:17
